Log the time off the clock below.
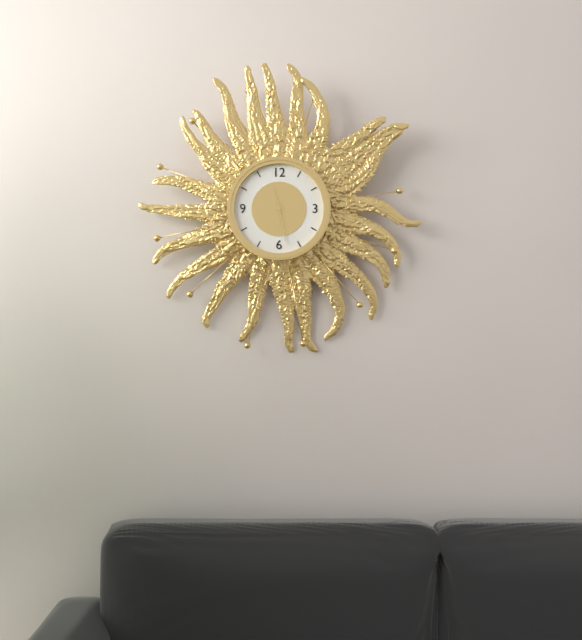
11:28
